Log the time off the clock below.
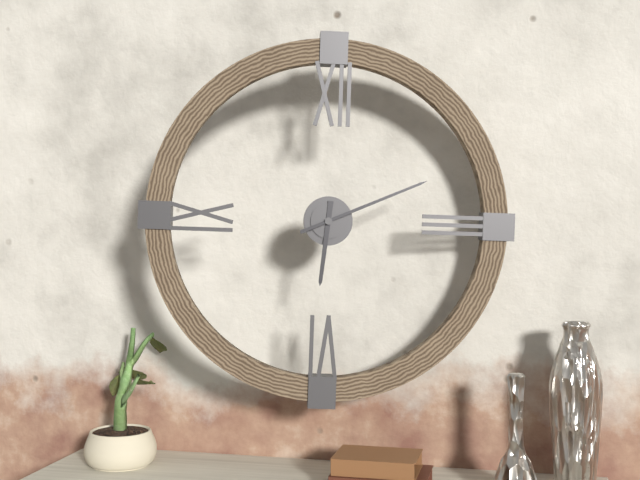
6:11
